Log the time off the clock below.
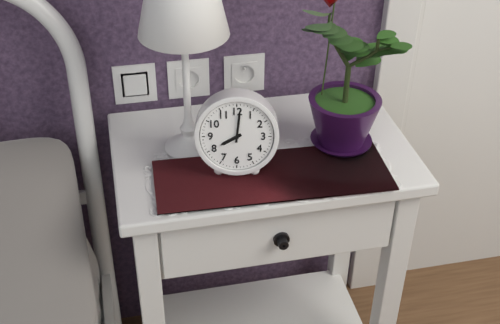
8:01
